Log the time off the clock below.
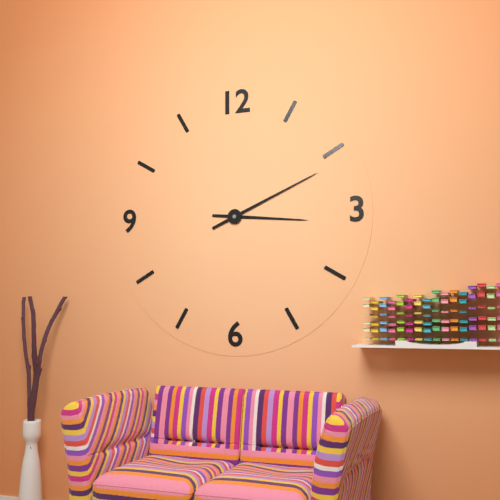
3:11
